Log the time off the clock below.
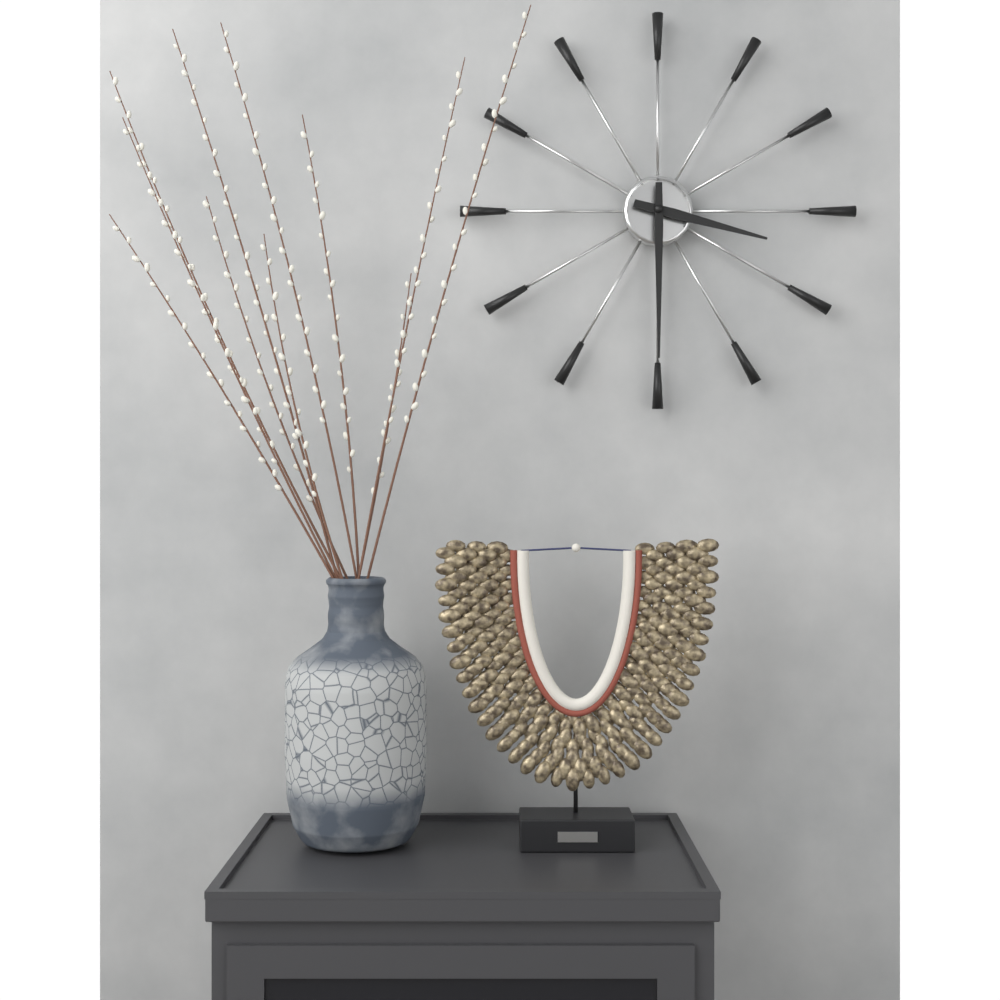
3:30
